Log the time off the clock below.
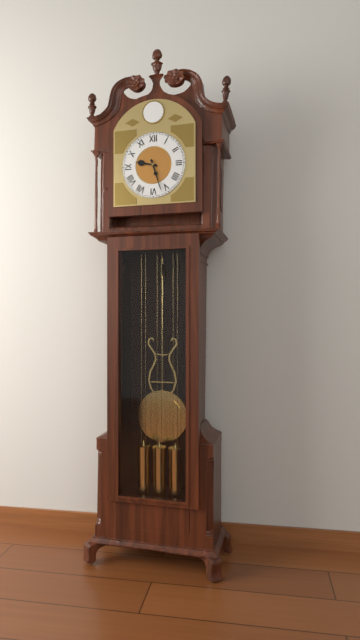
9:27
